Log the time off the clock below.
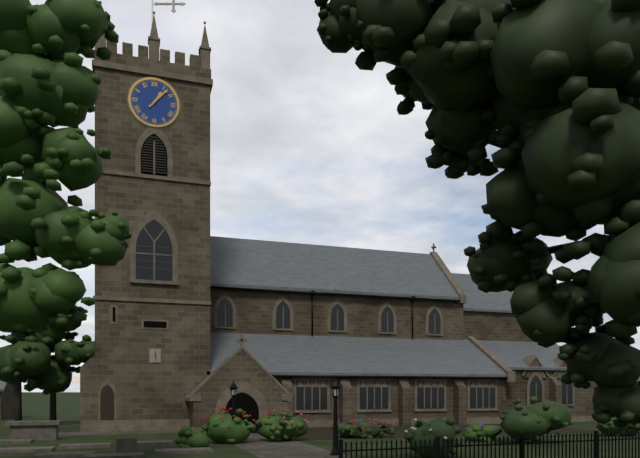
1:07
